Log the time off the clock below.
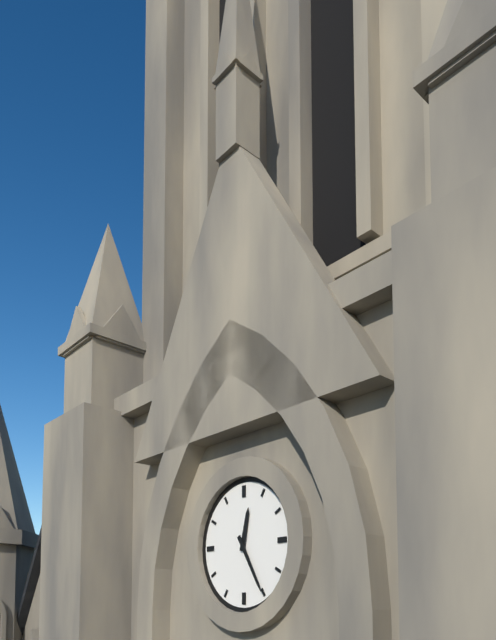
12:25
